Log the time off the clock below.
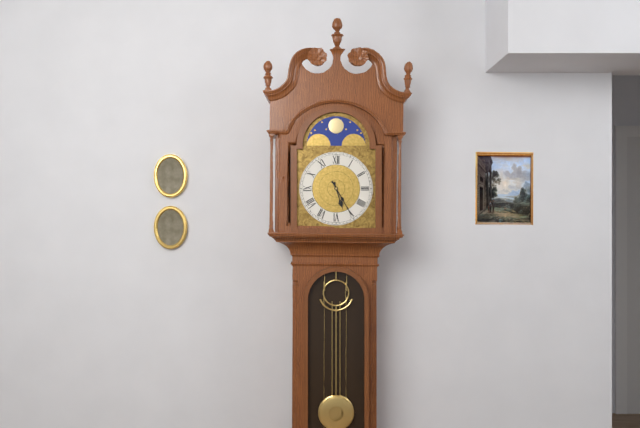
5:25
